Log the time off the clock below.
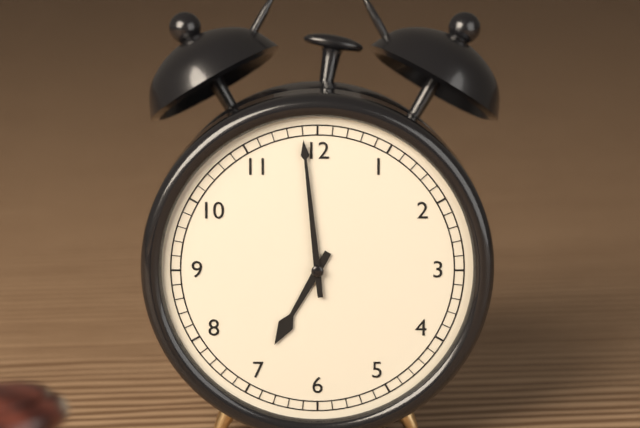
6:59
